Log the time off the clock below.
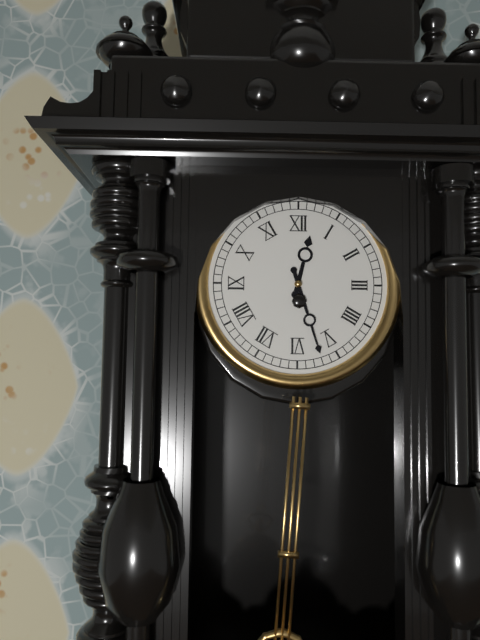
12:27
